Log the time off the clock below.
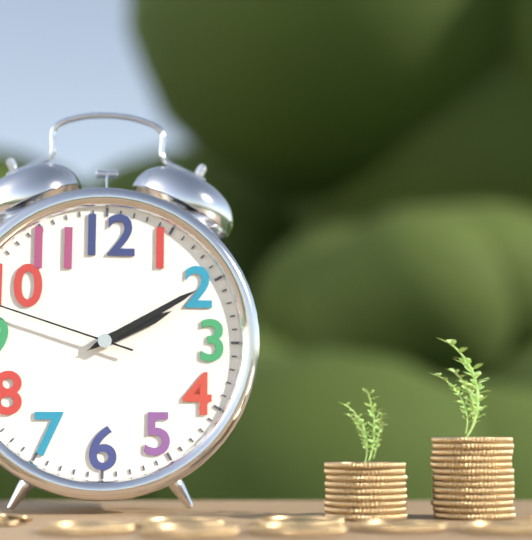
2:10
